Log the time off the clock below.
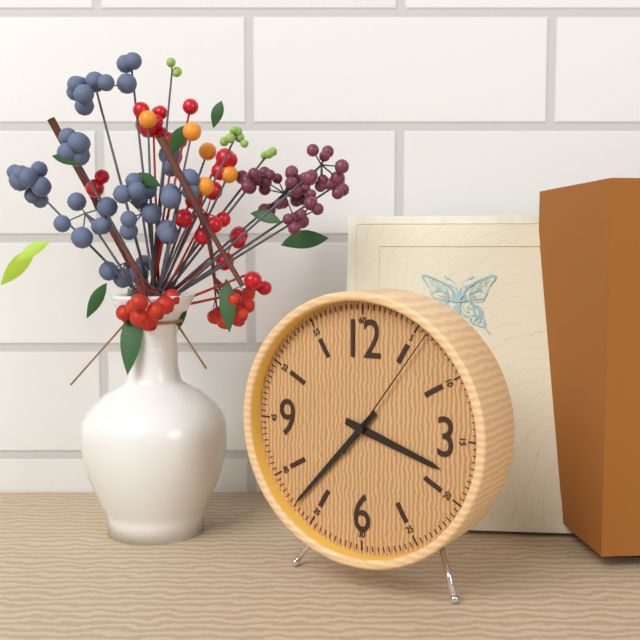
3:37:06
